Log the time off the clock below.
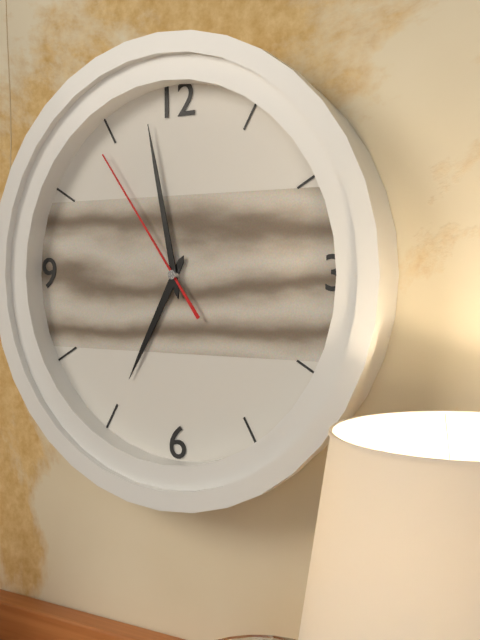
6:58:54
